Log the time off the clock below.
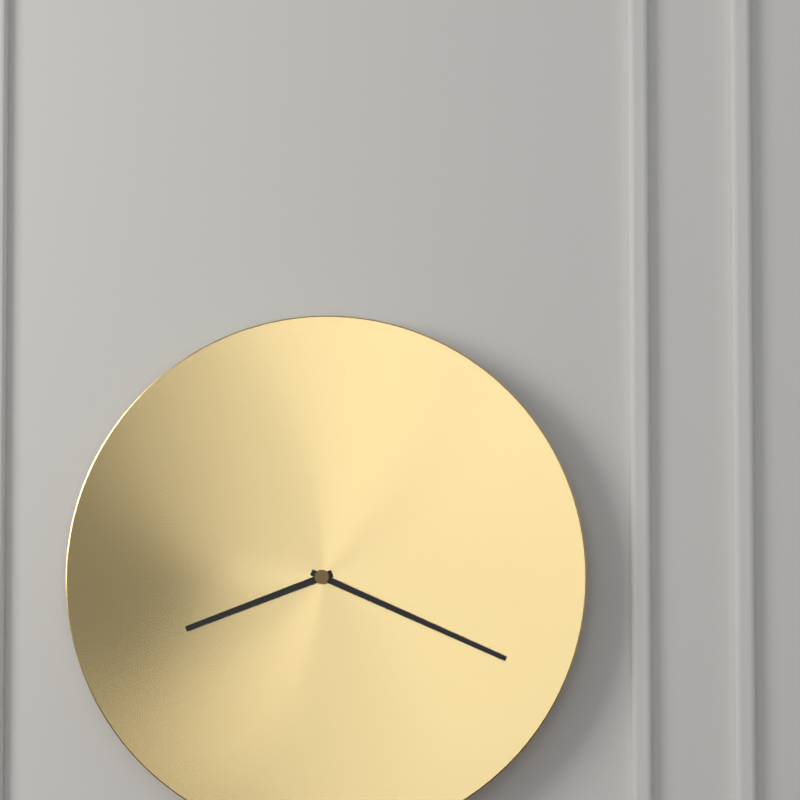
8:19
